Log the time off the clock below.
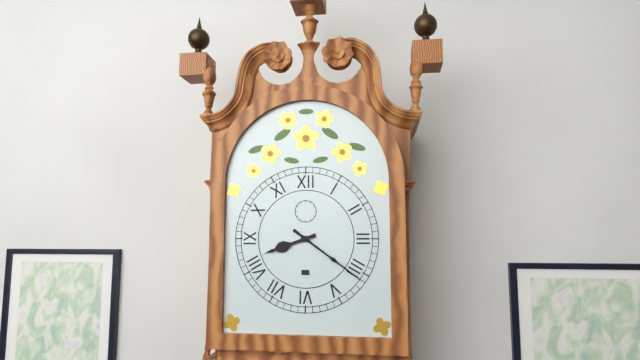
8:21
